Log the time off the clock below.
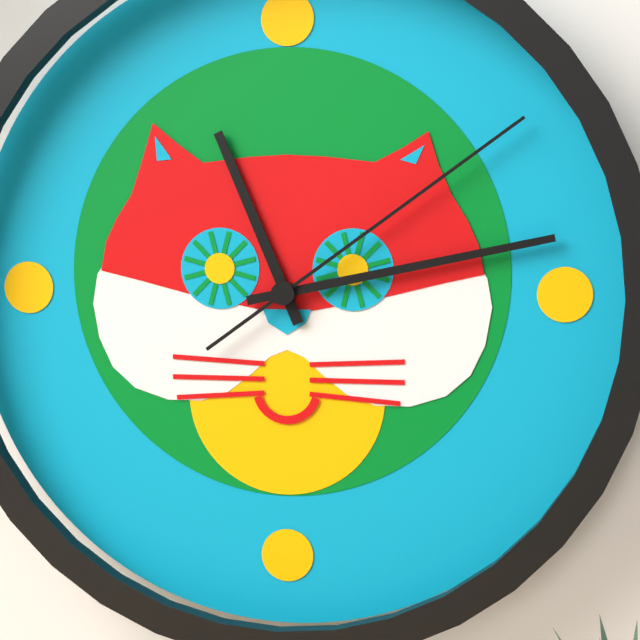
11:13:09
